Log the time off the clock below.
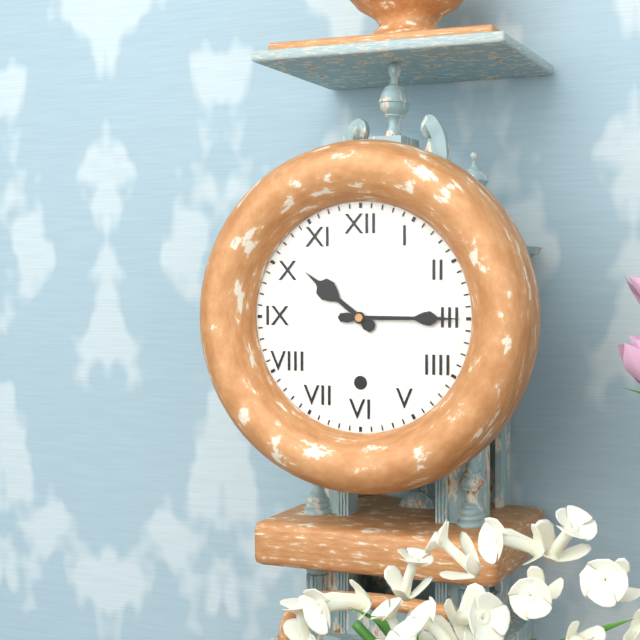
10:15
